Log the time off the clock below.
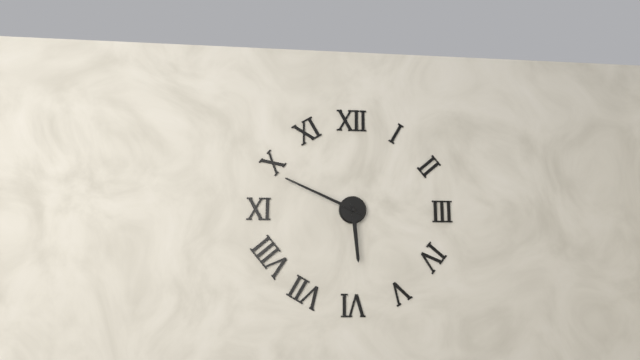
5:49
